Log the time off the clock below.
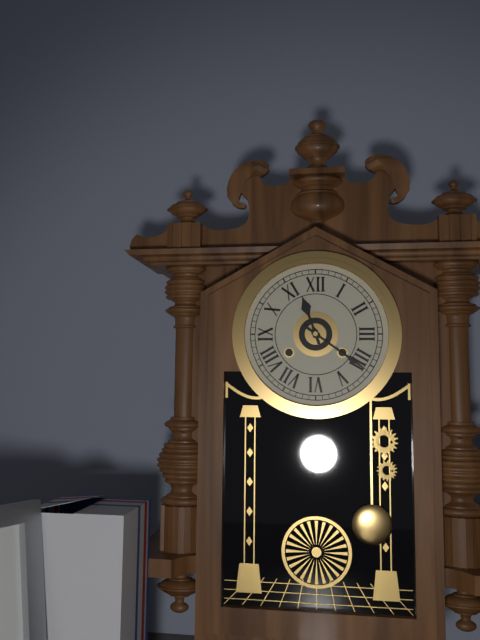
11:21
